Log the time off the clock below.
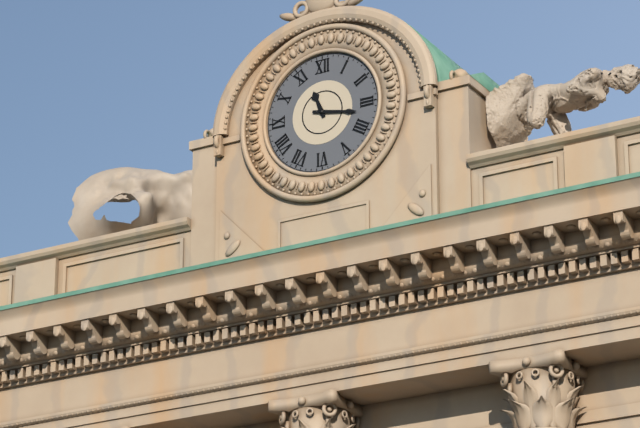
11:17
